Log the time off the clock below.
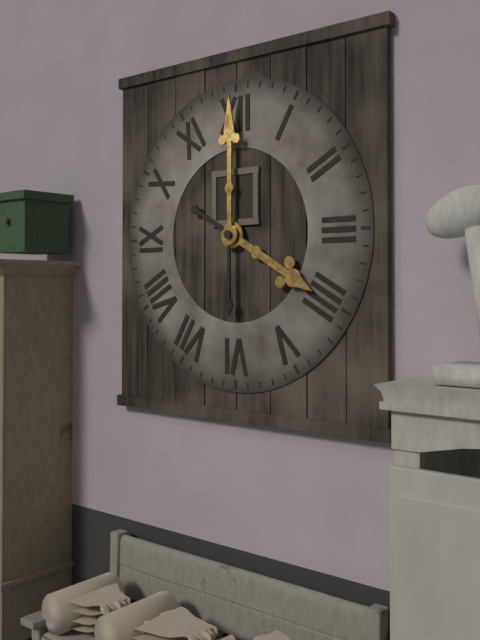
4:00
